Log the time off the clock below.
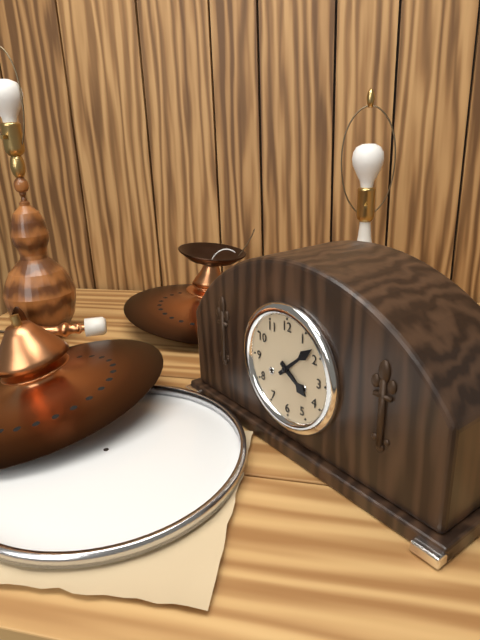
4:08
